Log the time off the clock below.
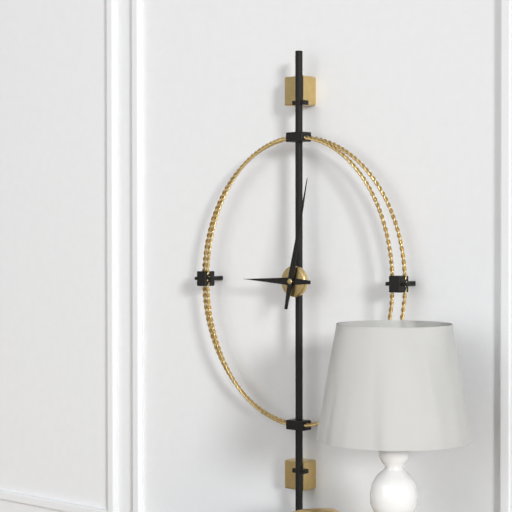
9:02
